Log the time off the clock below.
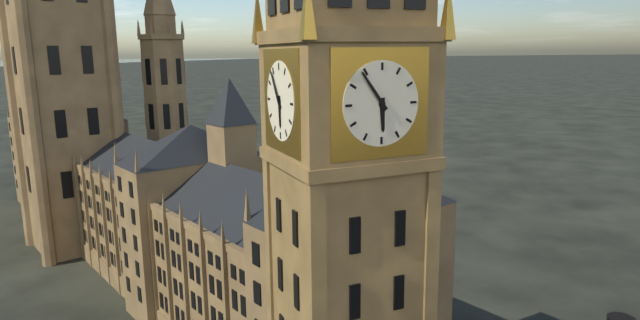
5:54
